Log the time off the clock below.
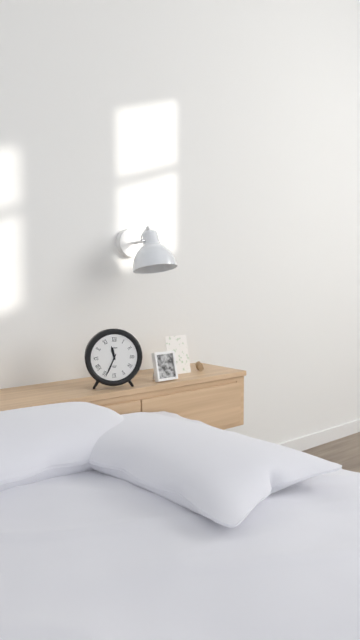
11:34
